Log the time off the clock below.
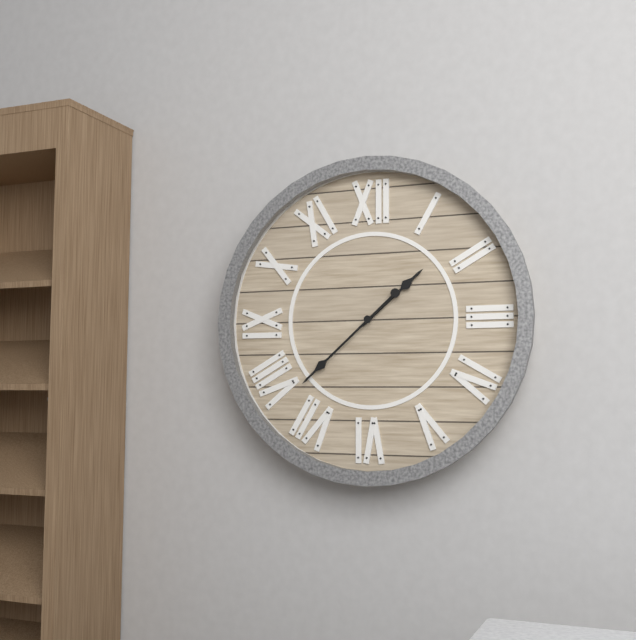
1:38
